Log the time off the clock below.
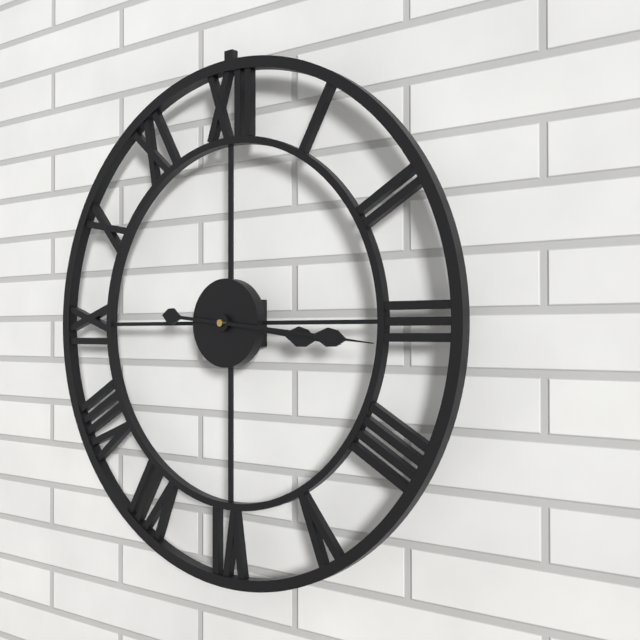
3:16
